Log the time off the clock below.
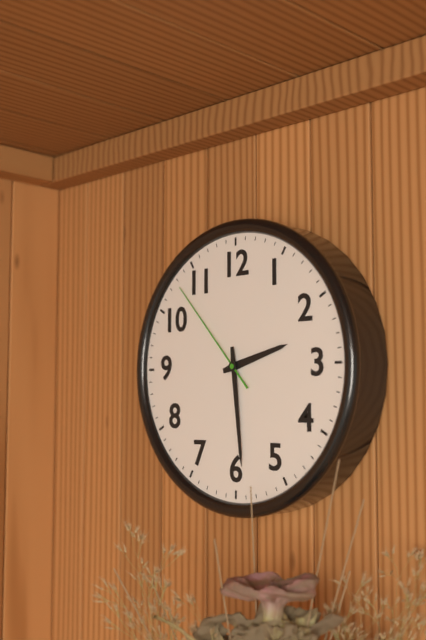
2:29:53
